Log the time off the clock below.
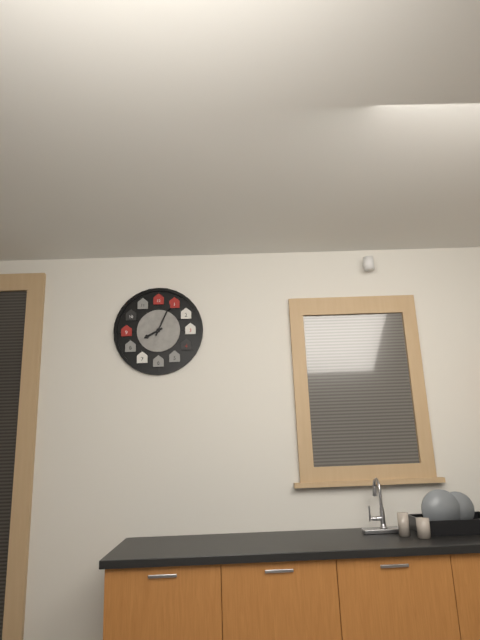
8:04
